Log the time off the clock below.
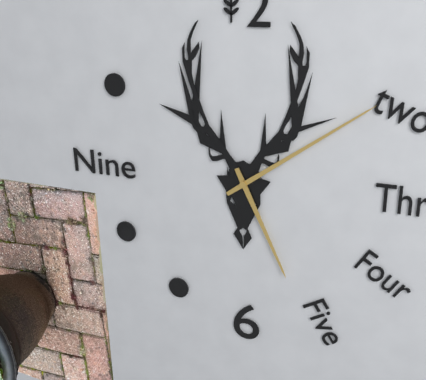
5:09
